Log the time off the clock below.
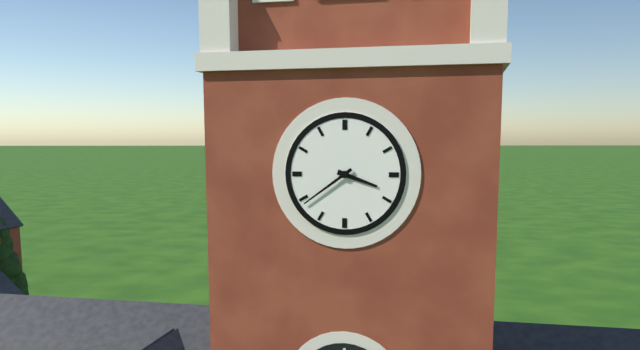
3:39
